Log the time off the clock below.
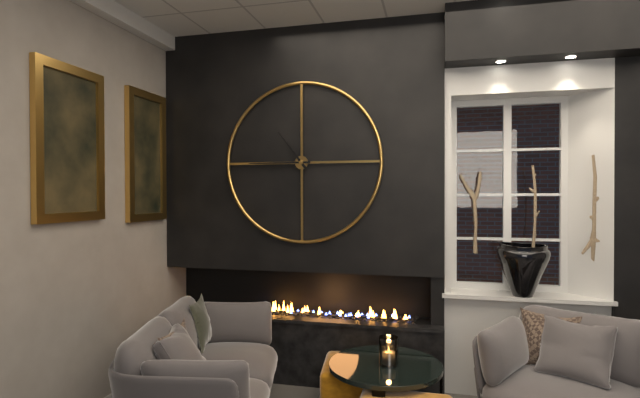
10:45
